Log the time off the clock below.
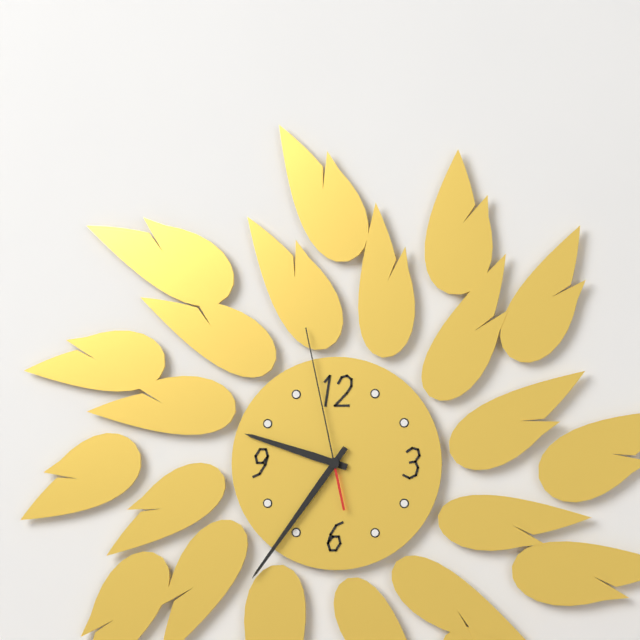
9:36:58
